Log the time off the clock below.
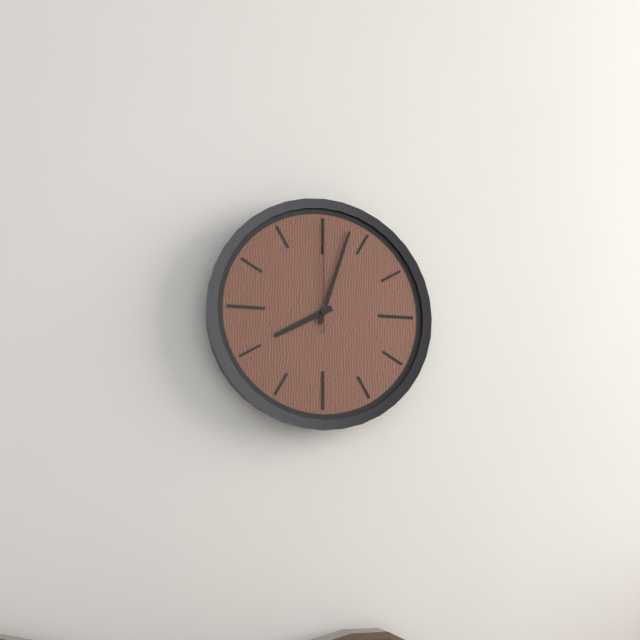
8:03:00
